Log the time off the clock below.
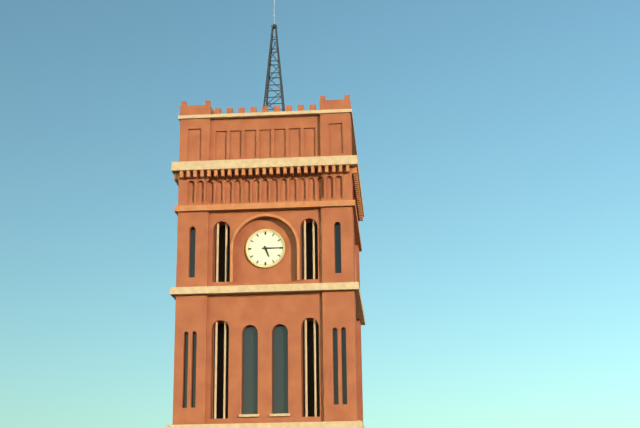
5:15
